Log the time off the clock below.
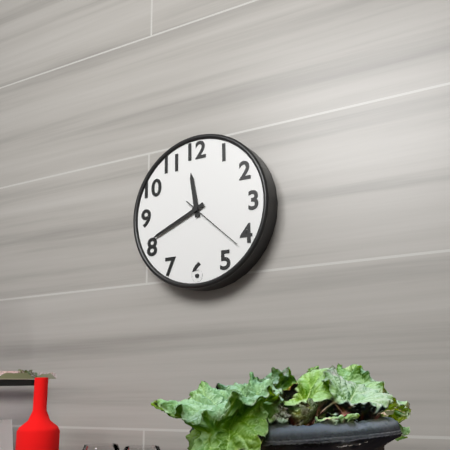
11:41:22
